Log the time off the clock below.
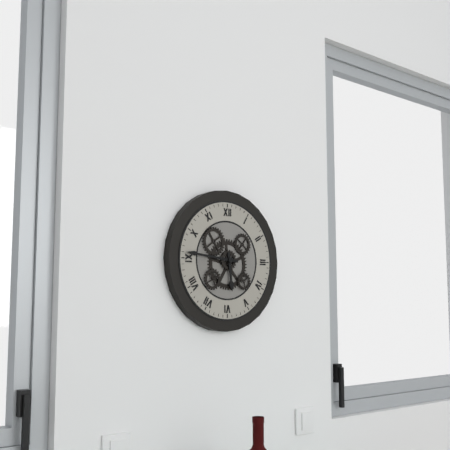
5:46
